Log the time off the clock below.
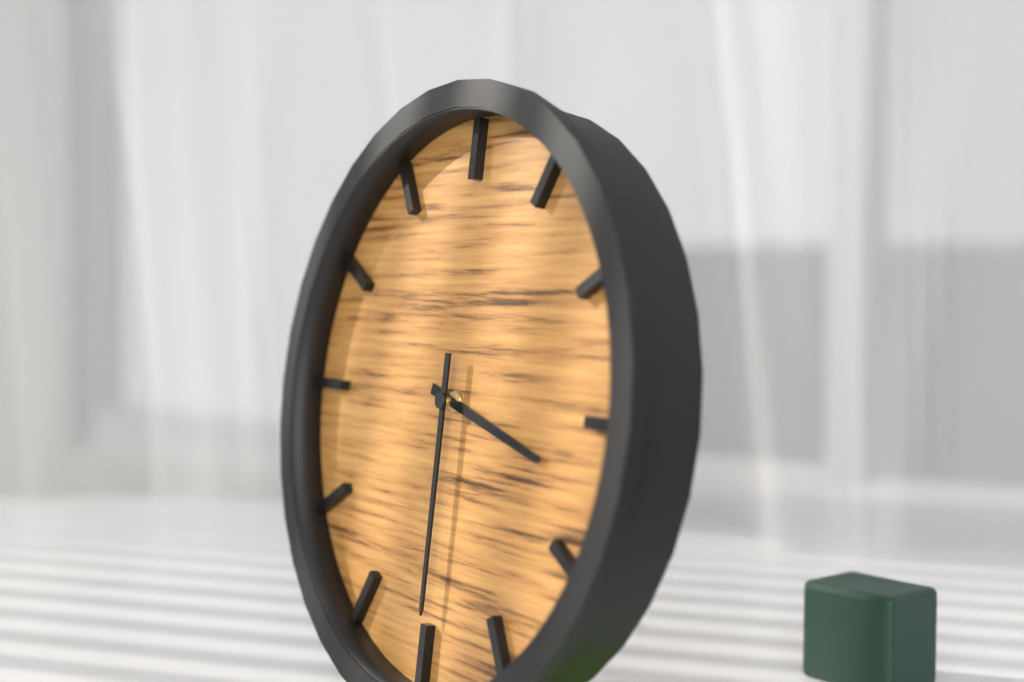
3:30
